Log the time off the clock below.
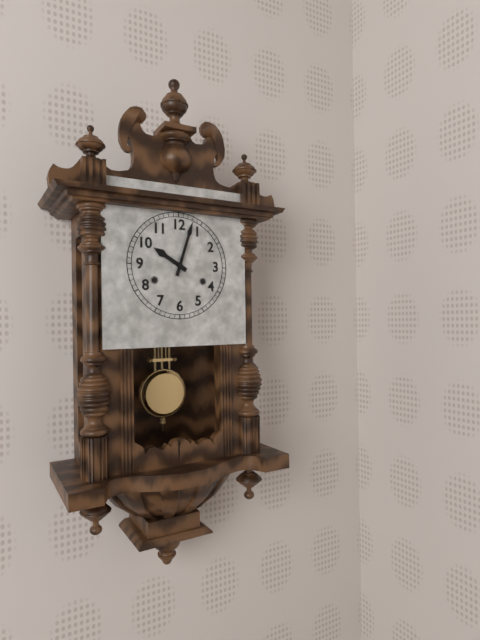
10:03
